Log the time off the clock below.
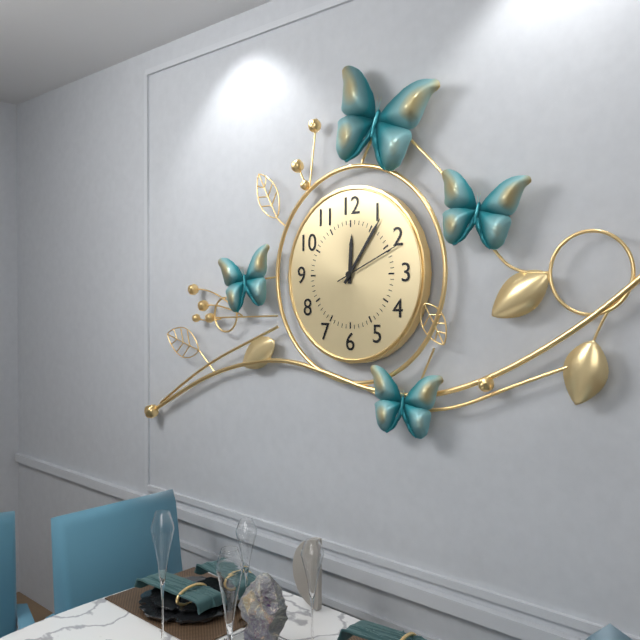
12:06:11
